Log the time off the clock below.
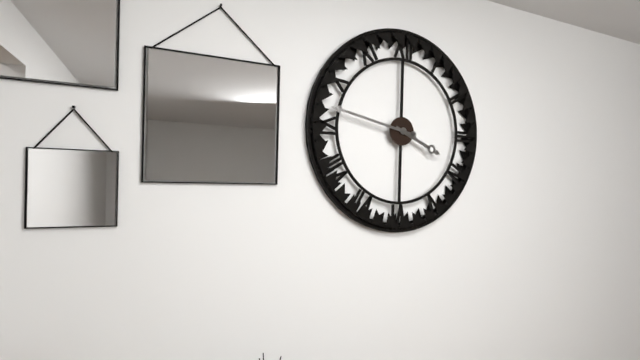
3:47
